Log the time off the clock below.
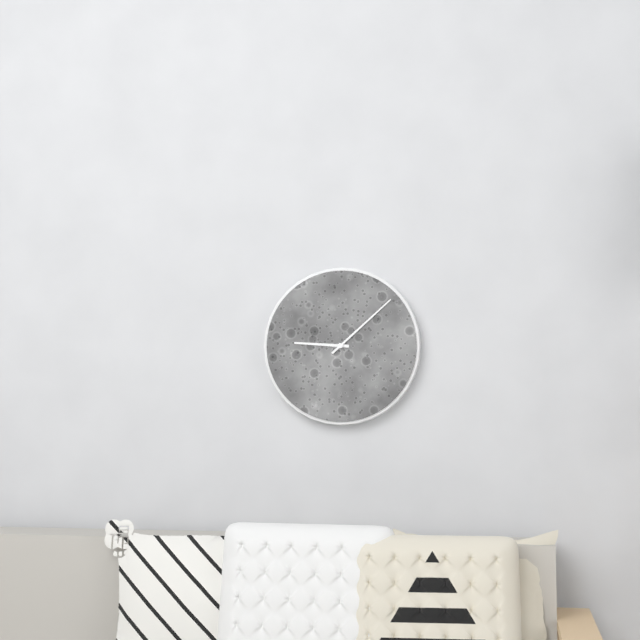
9:08
